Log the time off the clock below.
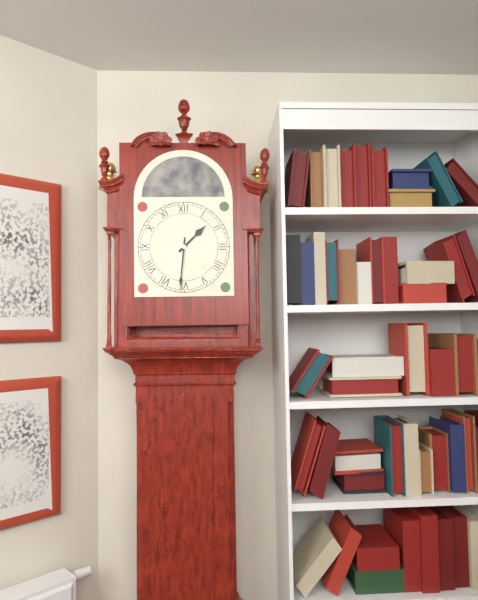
1:31
